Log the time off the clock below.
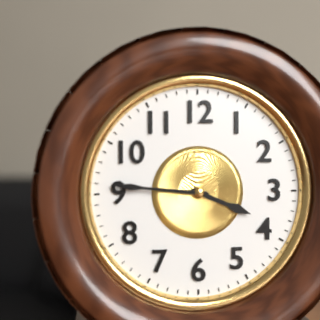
3:46
